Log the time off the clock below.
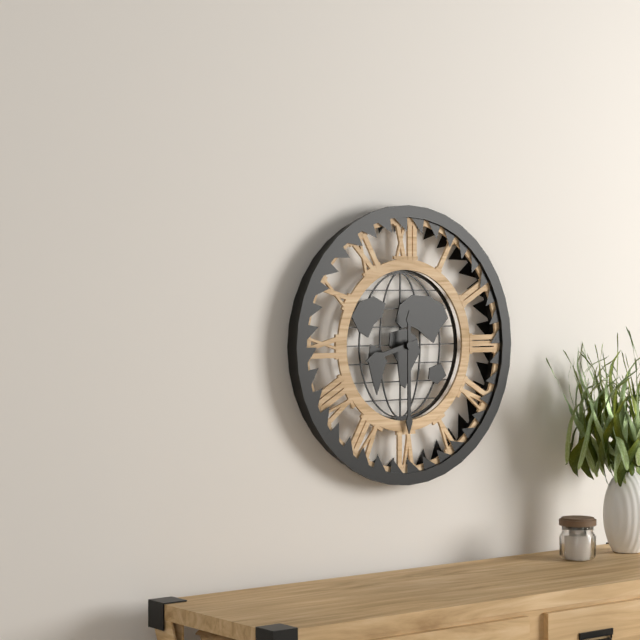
8:30
